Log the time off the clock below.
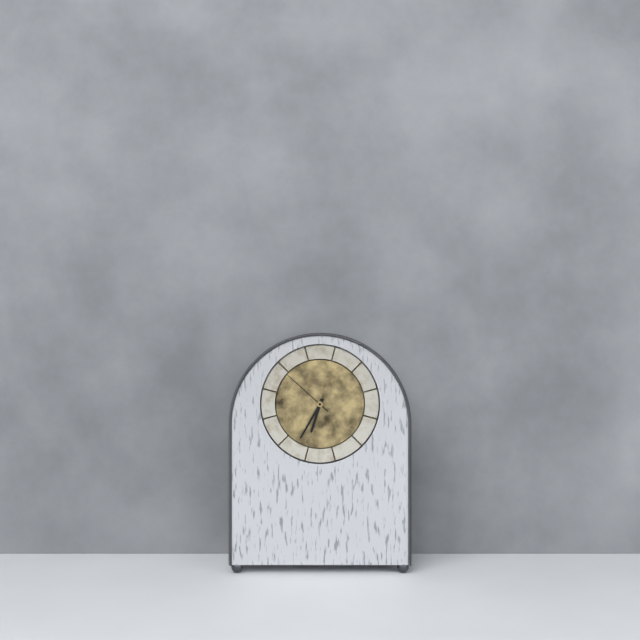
6:35:52
